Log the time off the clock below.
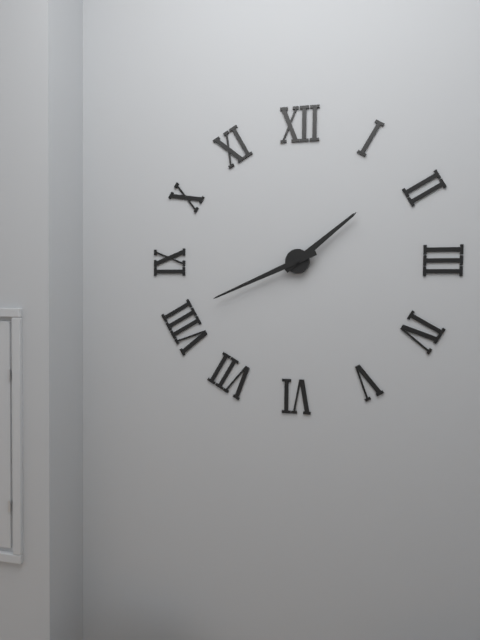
1:41
